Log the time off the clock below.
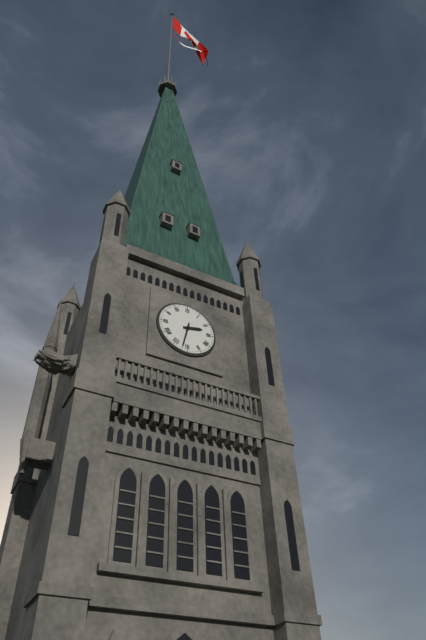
2:32
